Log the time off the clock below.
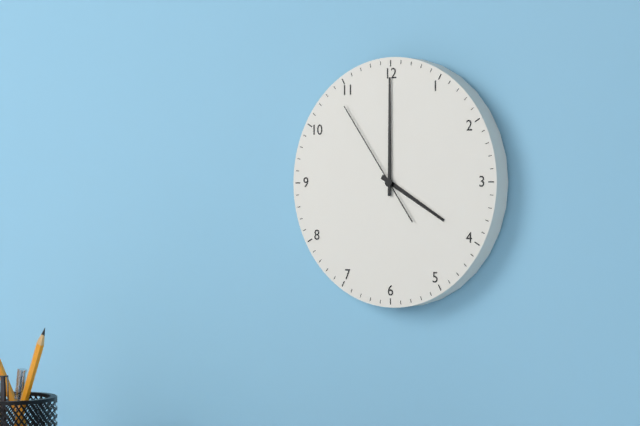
4:00:54
